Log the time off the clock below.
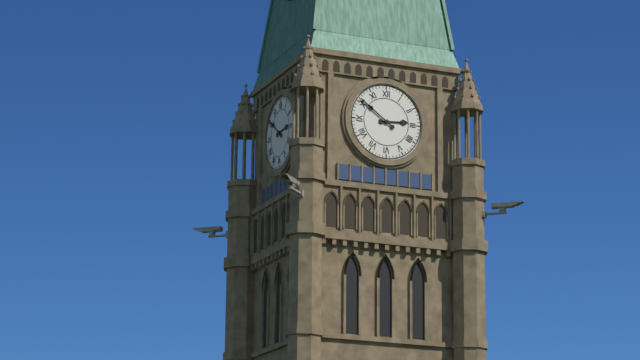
2:51
